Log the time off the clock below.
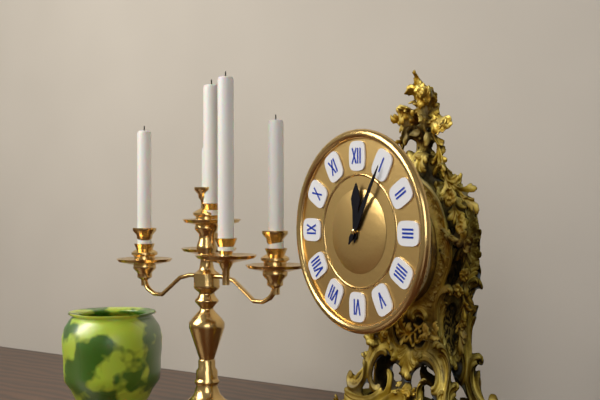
12:05
